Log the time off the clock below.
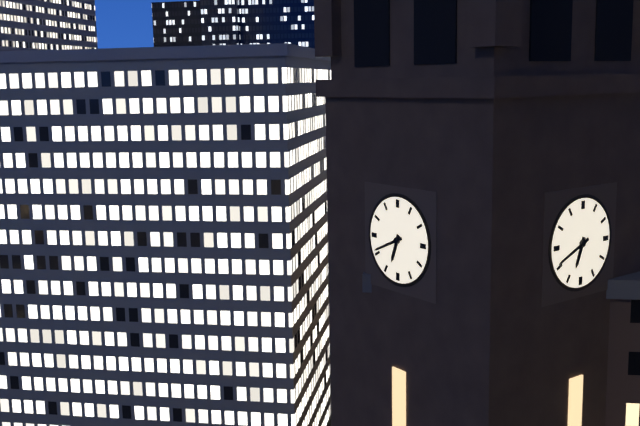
6:41
